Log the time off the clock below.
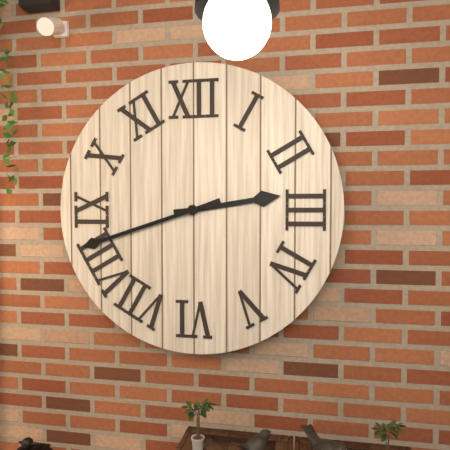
2:42
